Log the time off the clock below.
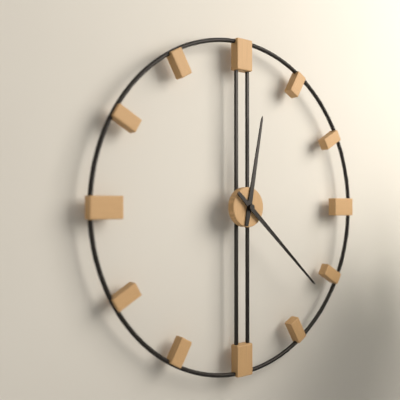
12:22
